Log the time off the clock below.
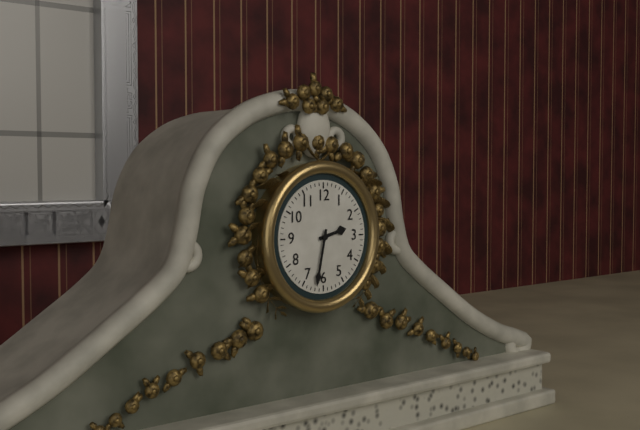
2:32
